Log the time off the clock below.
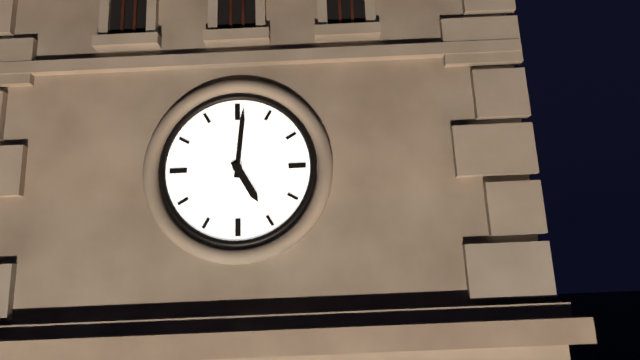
5:01
